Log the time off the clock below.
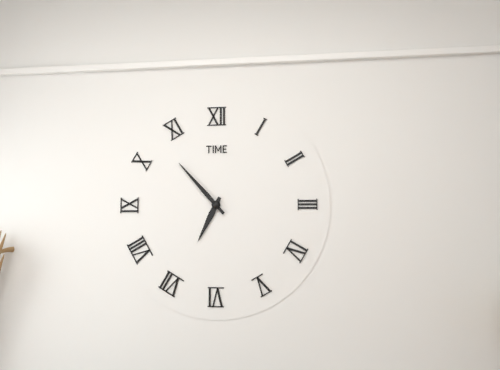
6:53
